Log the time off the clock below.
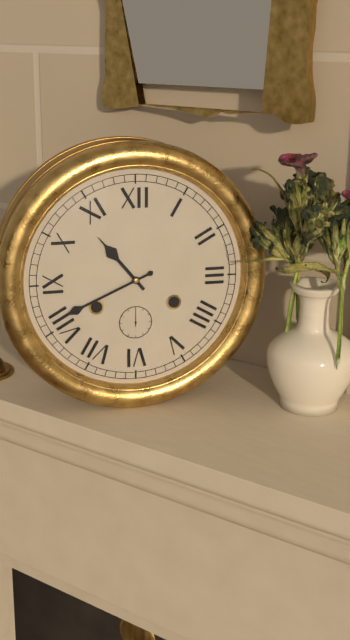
10:41
